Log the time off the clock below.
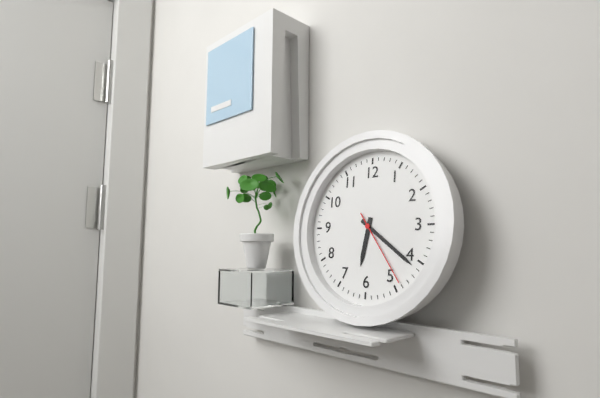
6:21:24
